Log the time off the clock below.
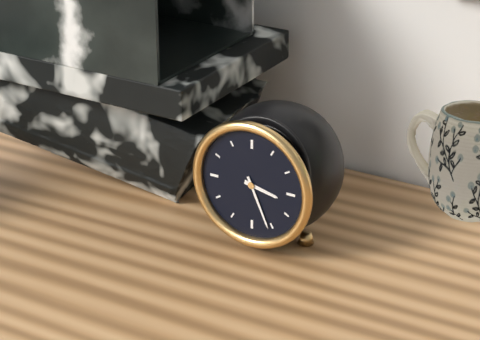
3:26
